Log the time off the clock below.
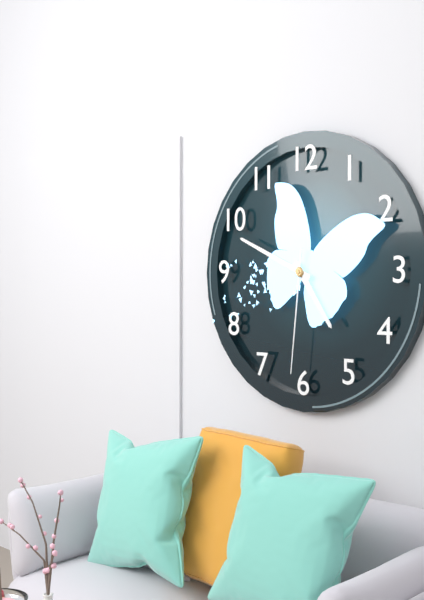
4:49:31
